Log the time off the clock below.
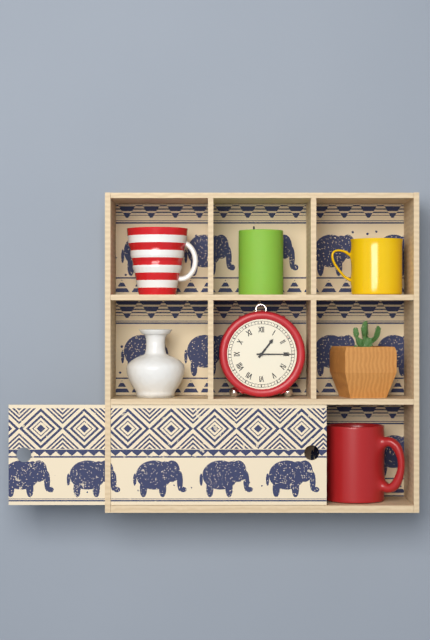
1:15
